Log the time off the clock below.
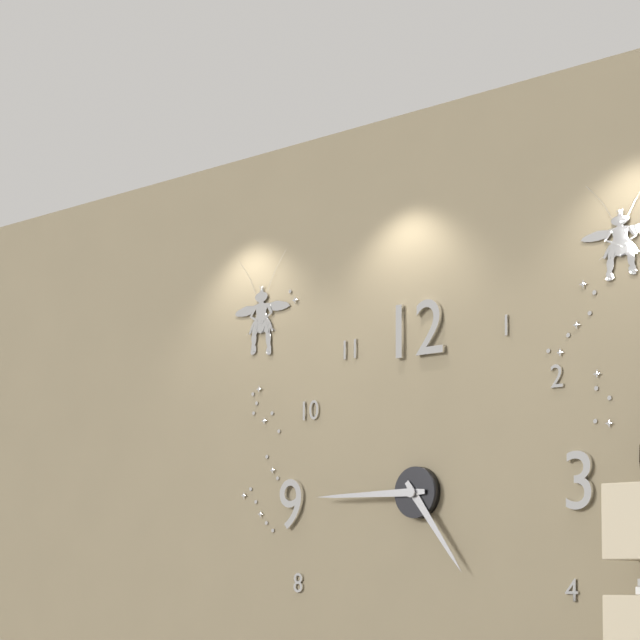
4:45
